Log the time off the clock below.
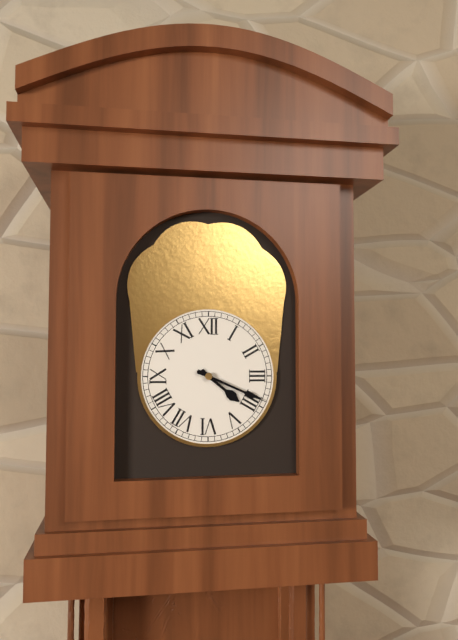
4:19
